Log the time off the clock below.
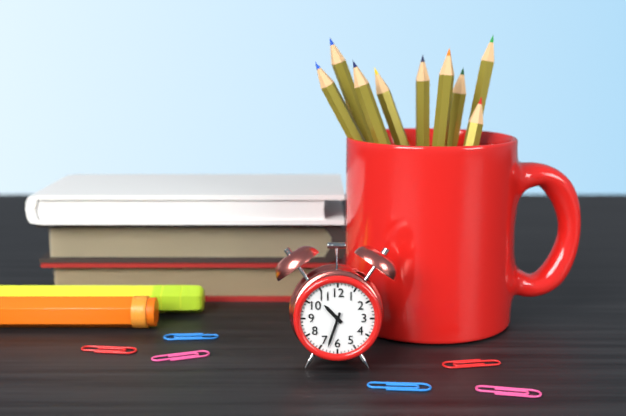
10:33
